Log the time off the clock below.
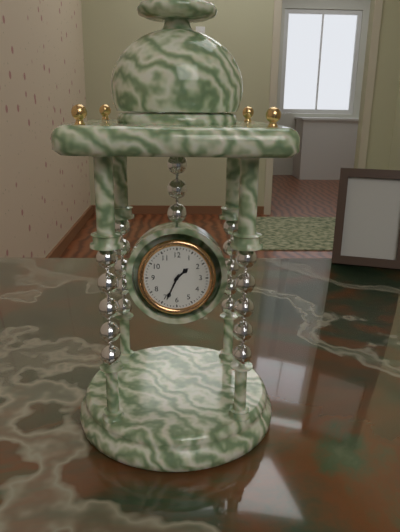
1:34
